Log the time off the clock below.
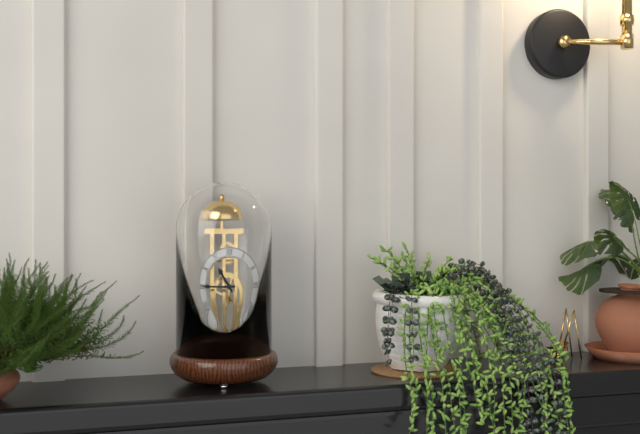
10:45
